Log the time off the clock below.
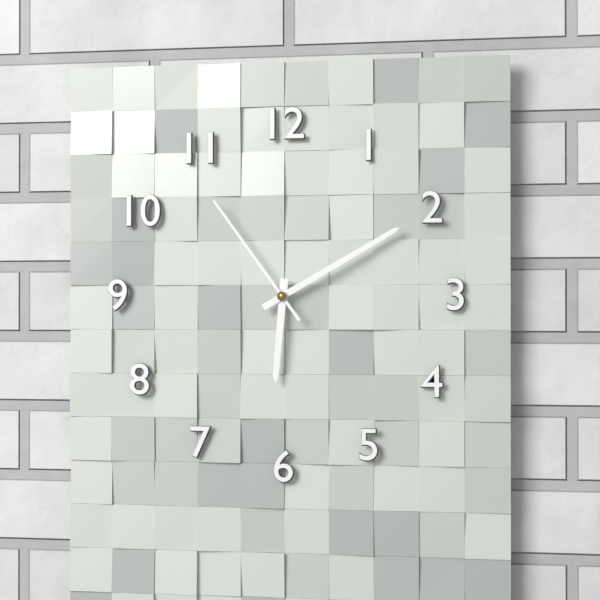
6:10:54
